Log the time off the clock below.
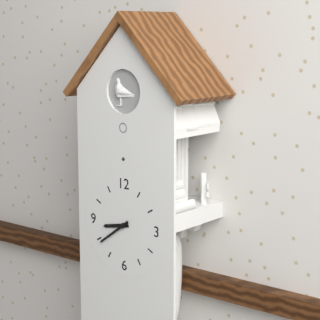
8:39
